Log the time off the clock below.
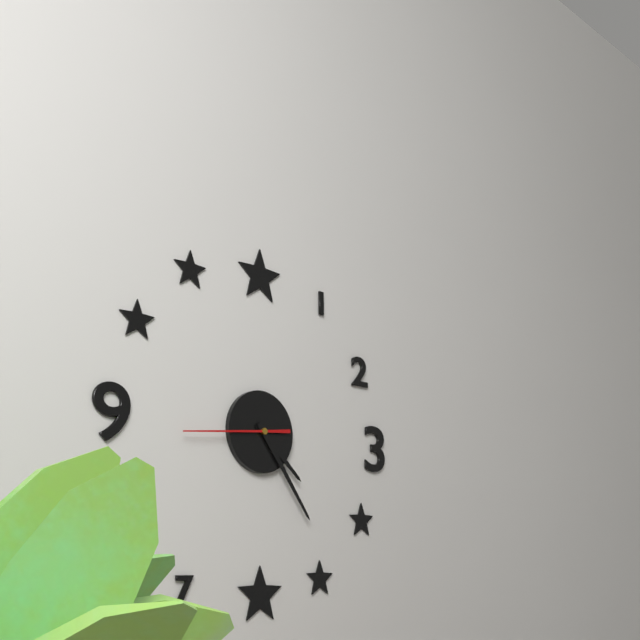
4:24:44
